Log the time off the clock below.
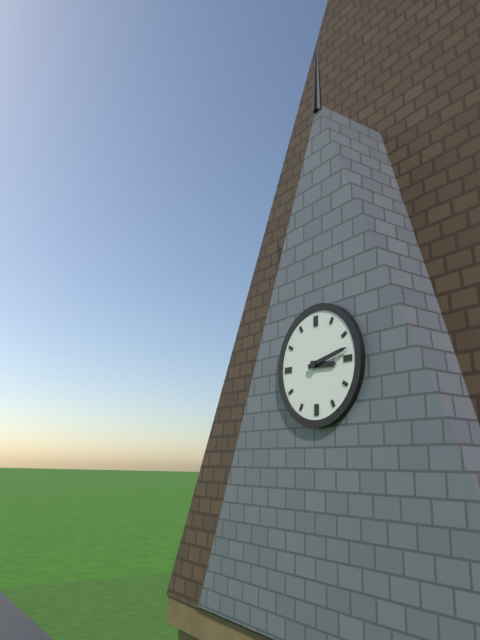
3:13
